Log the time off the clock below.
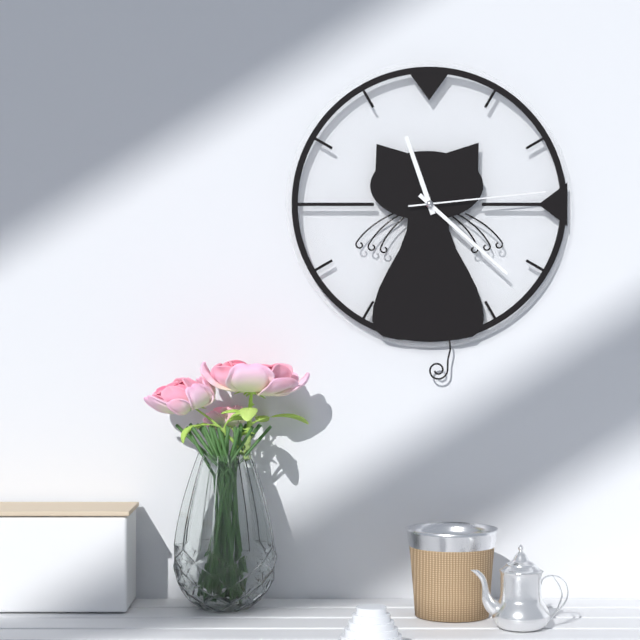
11:22:14
